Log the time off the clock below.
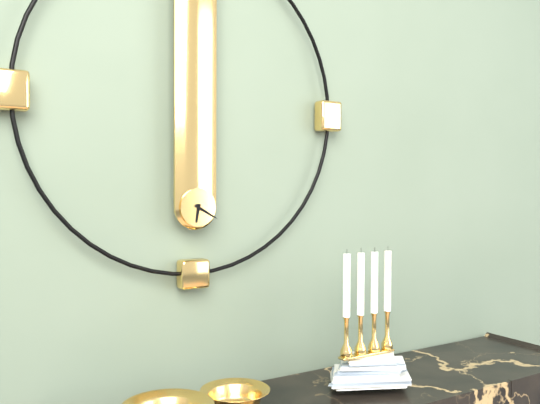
6:20
